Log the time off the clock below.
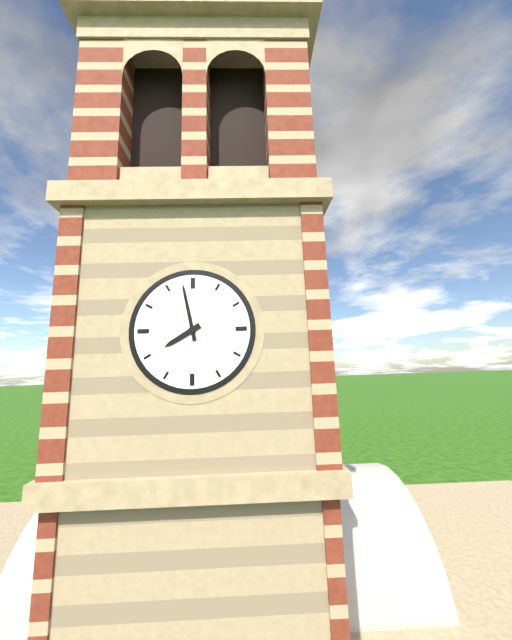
7:58
